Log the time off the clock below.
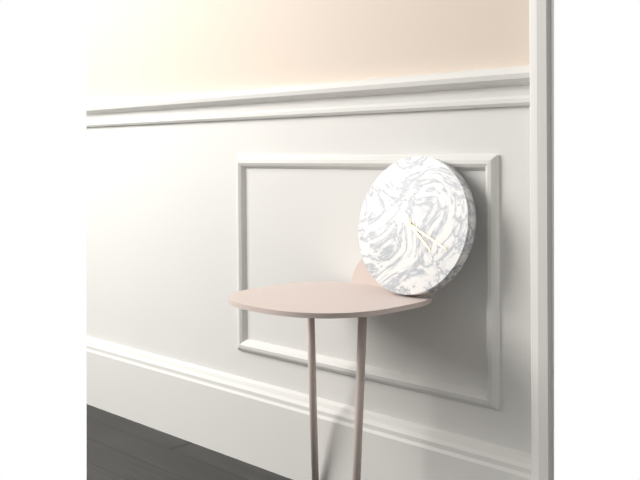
4:19
